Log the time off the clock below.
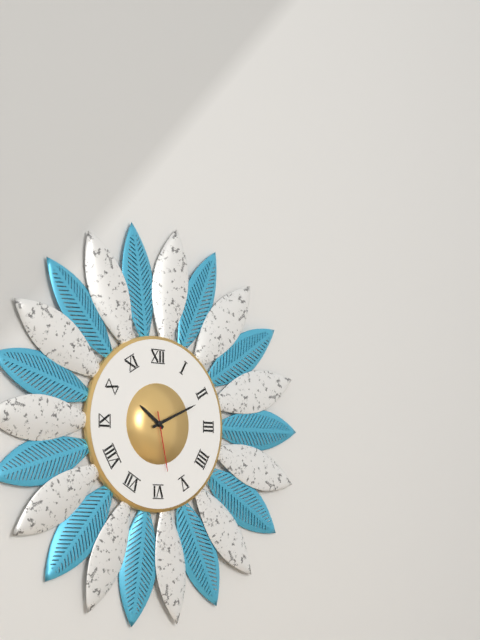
10:11:28
